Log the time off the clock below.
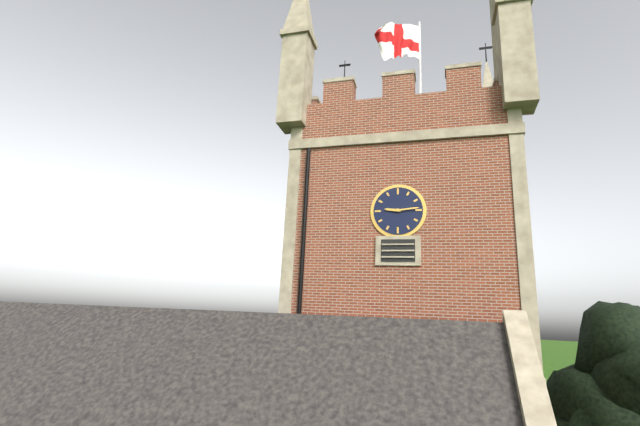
9:14
